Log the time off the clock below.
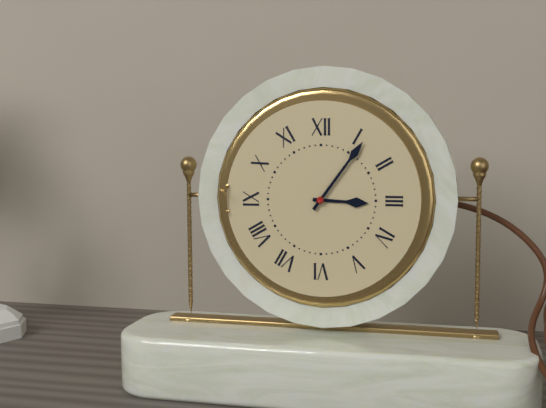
3:06
